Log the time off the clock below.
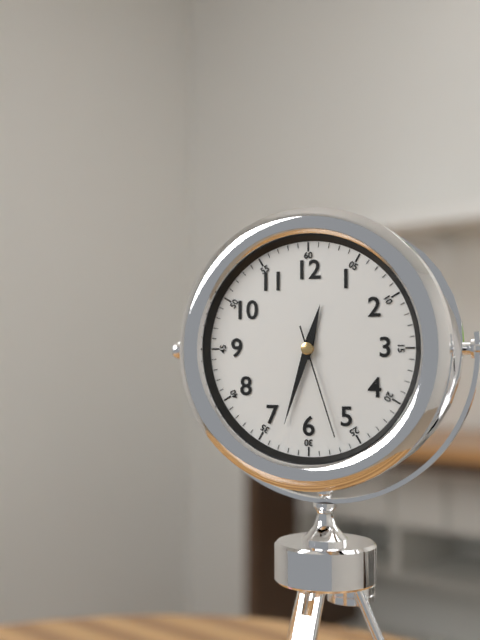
12:33:27
